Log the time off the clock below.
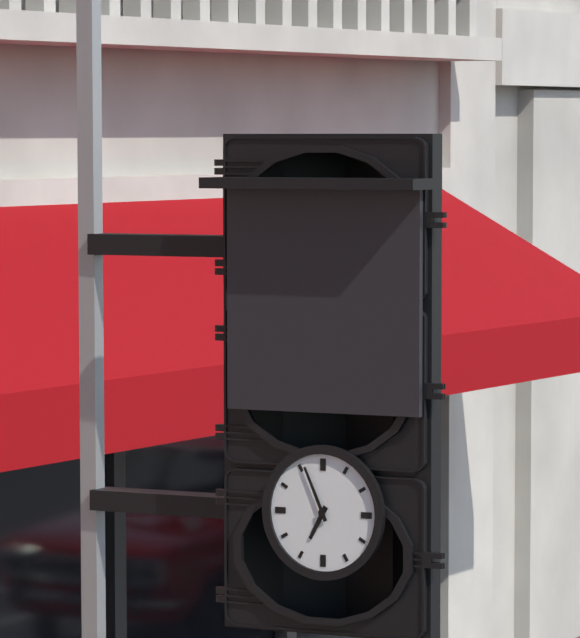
6:56
